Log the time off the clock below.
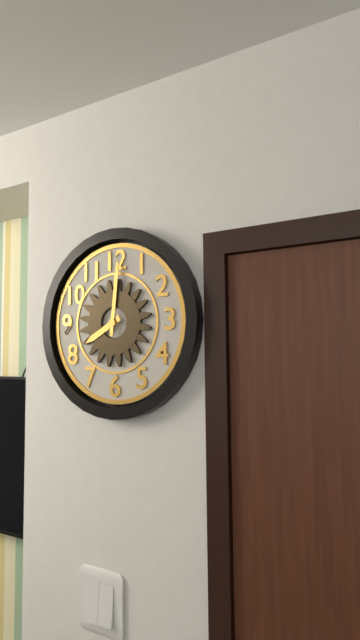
8:01
